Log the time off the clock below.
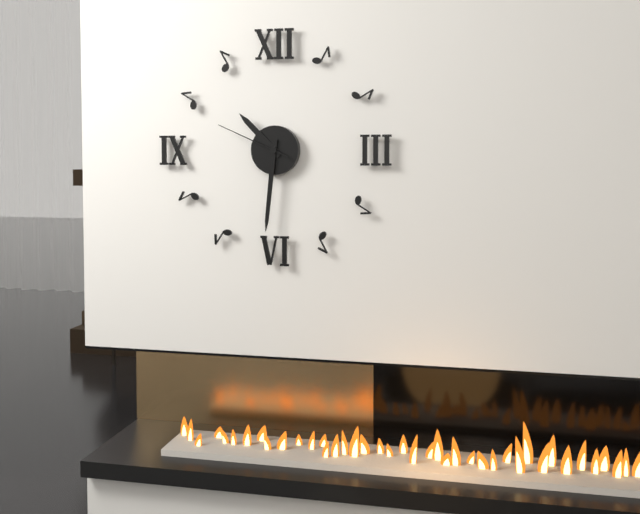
10:31:49
